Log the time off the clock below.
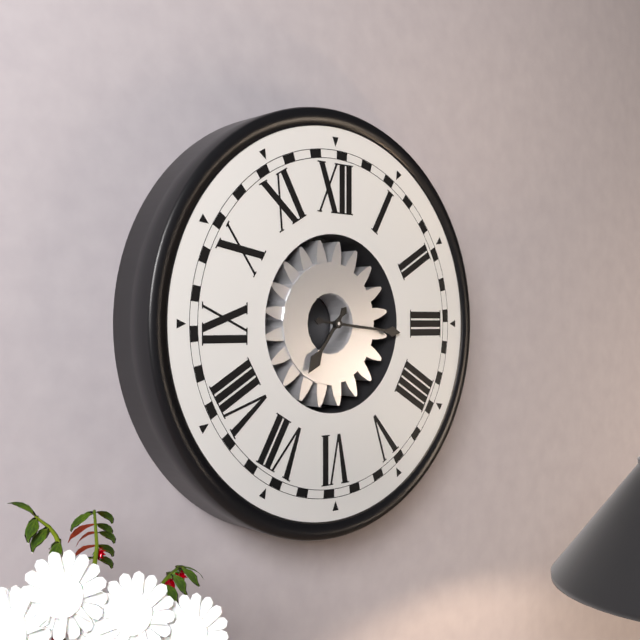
7:16
